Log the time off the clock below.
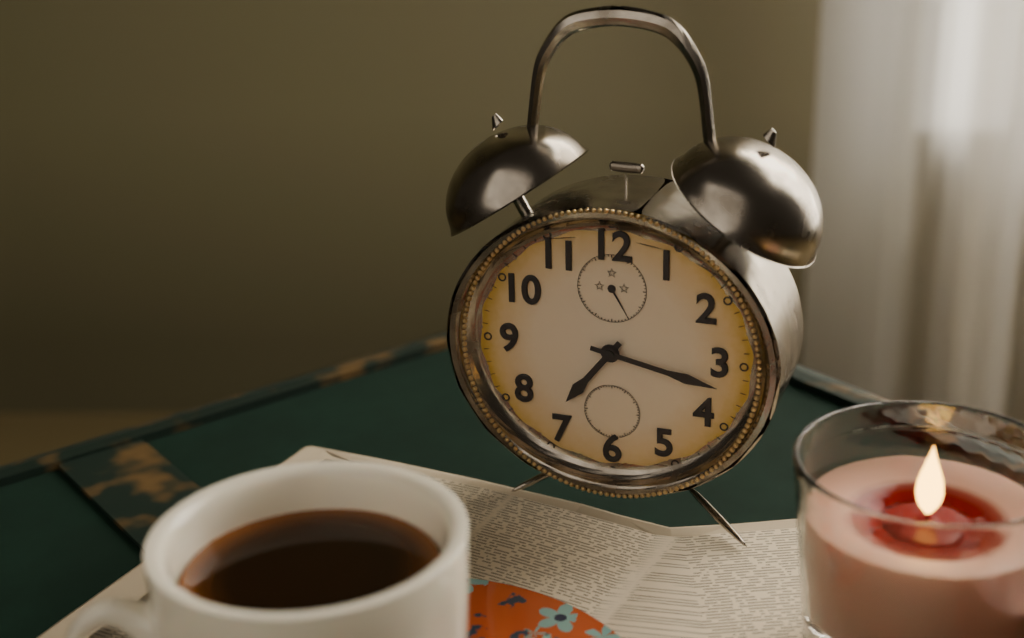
7:17
